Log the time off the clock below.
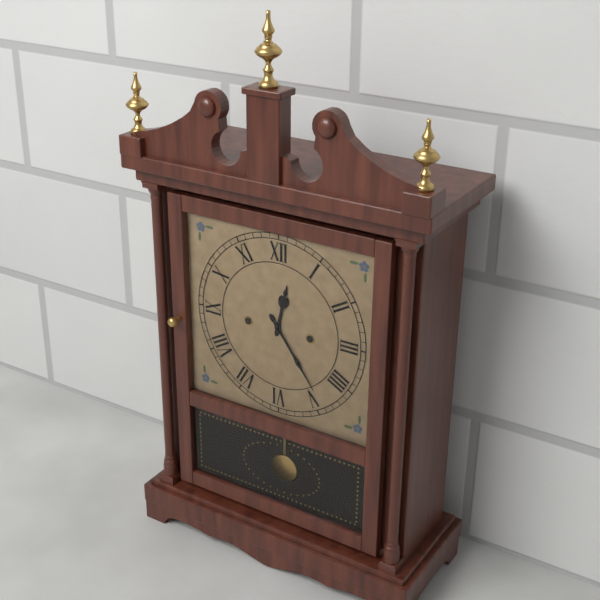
12:24
